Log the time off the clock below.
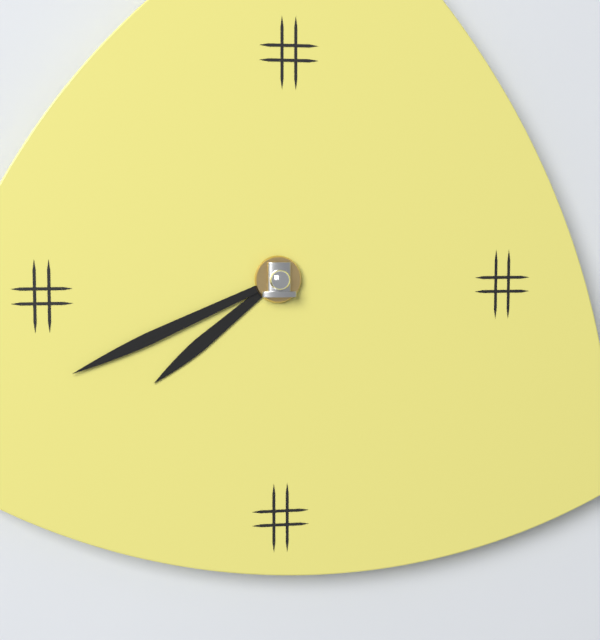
7:41
